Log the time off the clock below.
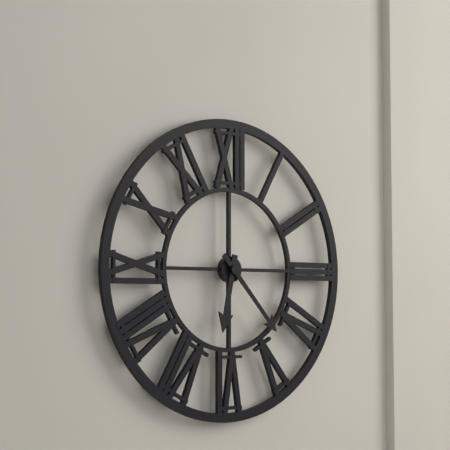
6:23
